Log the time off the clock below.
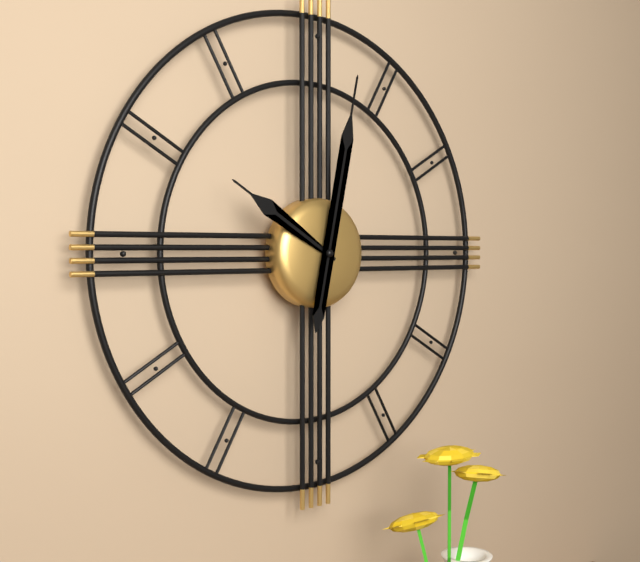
10:02
